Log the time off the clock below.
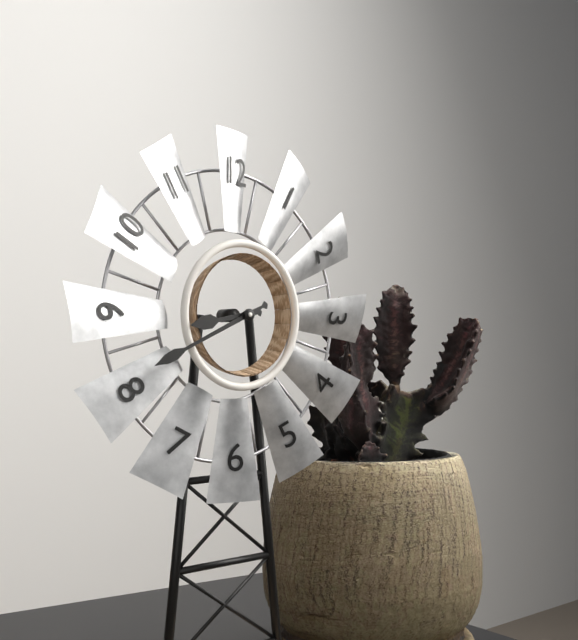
8:41
